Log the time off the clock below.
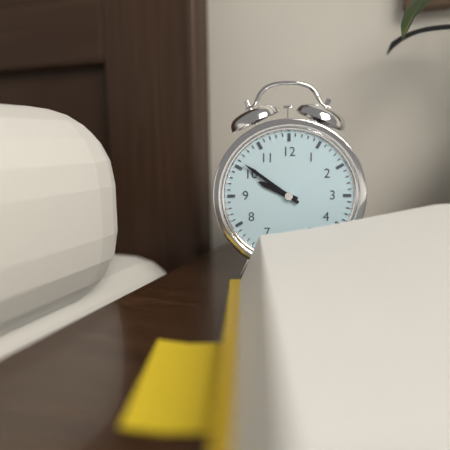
9:51
